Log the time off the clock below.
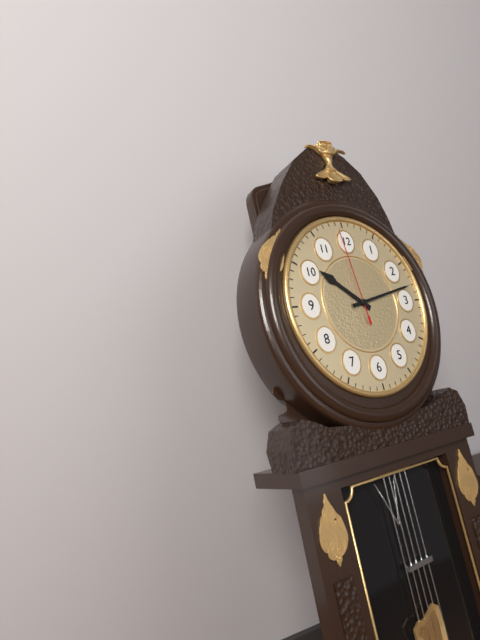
10:13:59
